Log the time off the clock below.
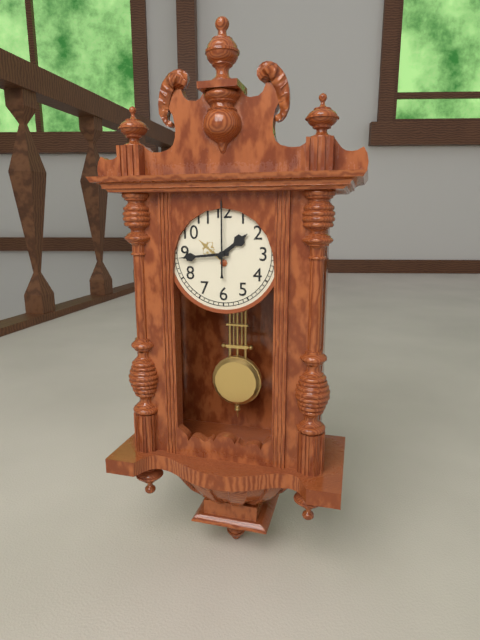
1:44:00
